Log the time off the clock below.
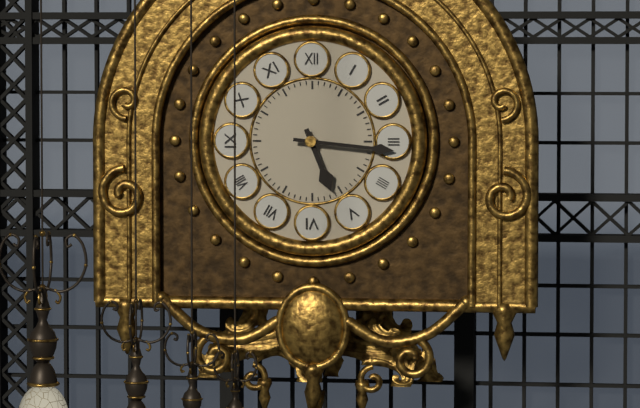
5:16
